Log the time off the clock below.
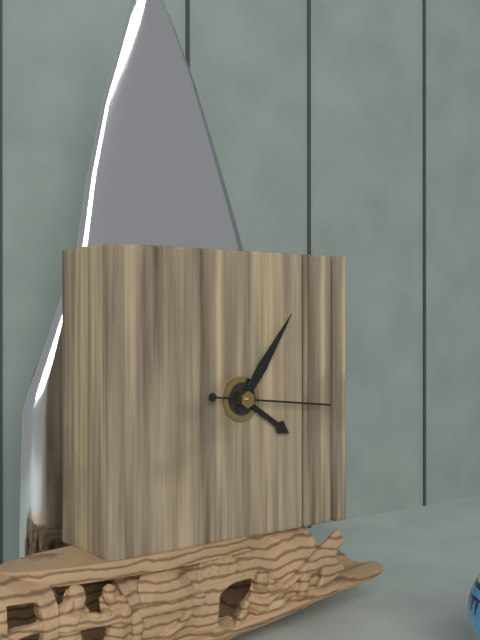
4:06:16
